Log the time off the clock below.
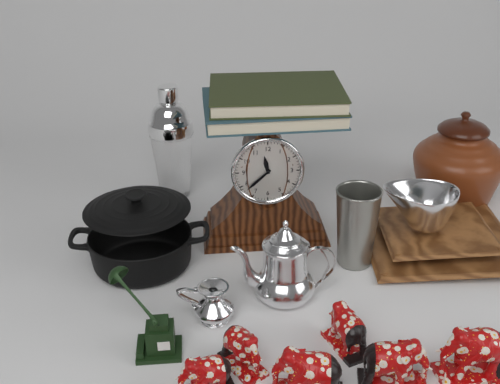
11:38
